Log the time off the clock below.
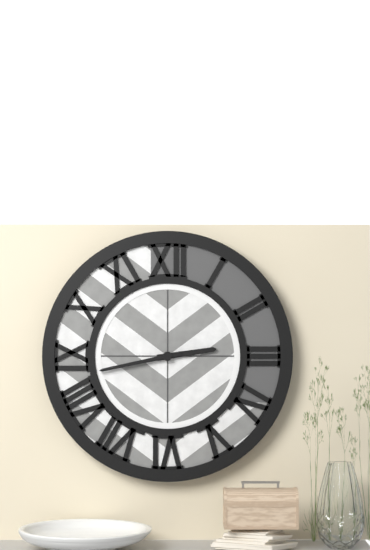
2:43
